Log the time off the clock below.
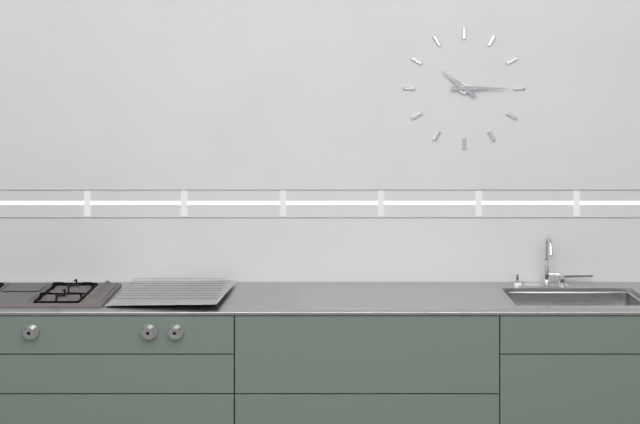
10:15
